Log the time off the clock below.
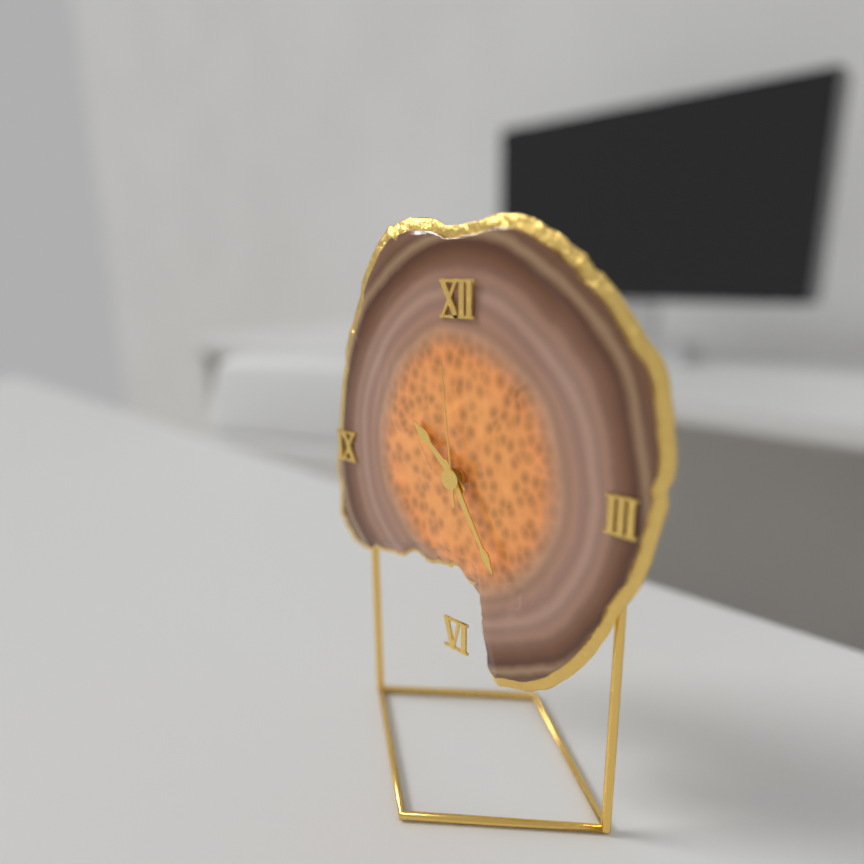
10:25:59
